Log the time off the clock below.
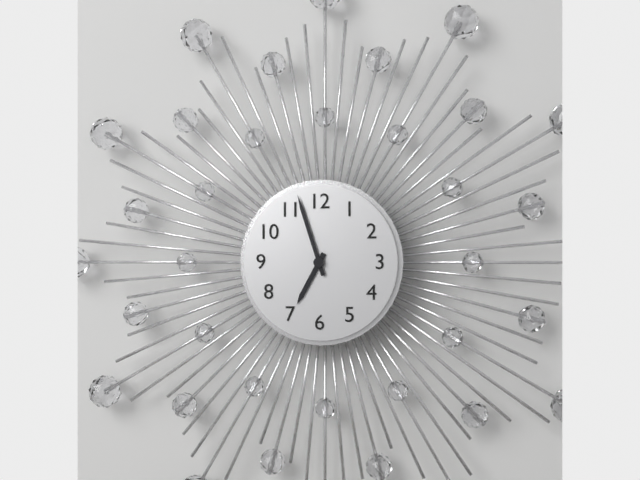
6:57
